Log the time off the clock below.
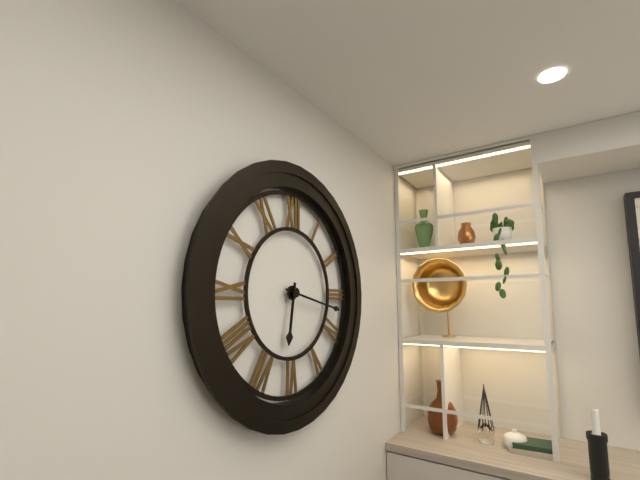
6:17
